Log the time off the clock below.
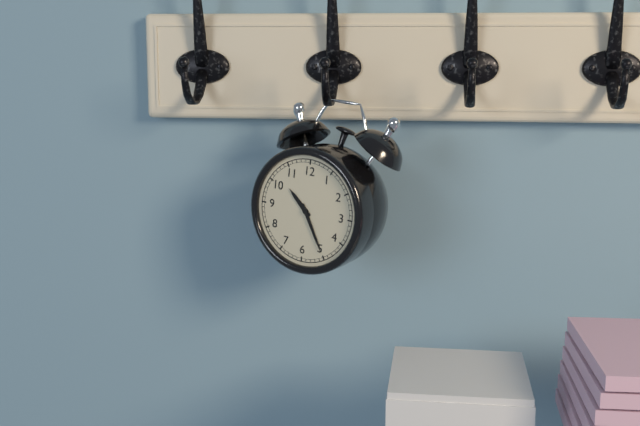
10:25
